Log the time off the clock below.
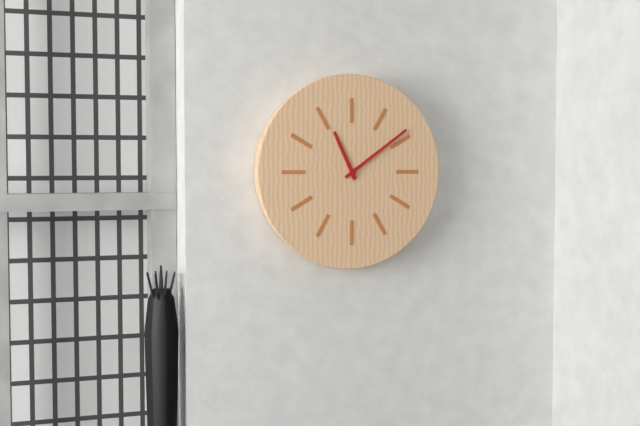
11:09
